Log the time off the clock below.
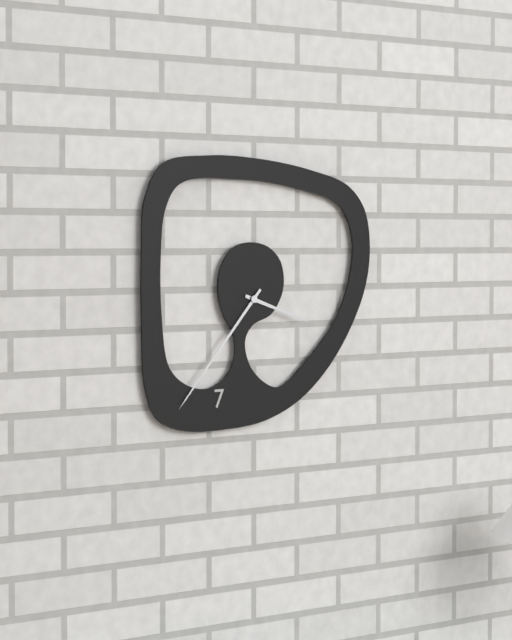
3:37
